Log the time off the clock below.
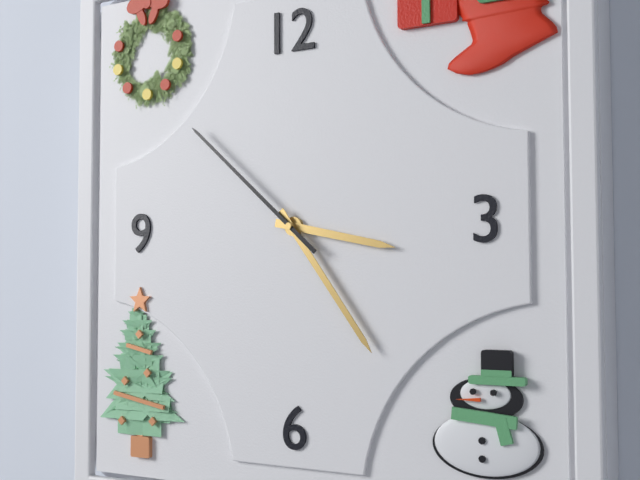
3:24:52
